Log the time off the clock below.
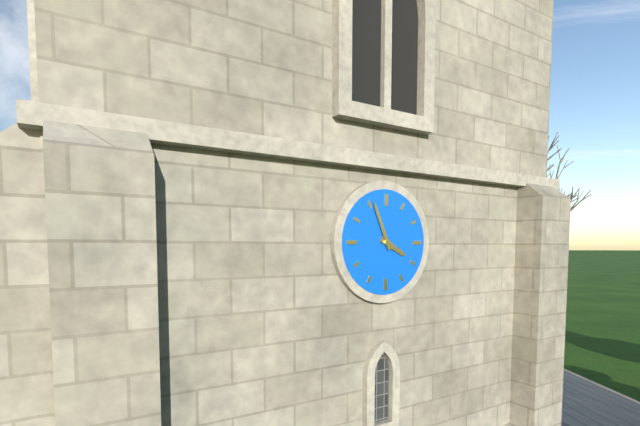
3:56
